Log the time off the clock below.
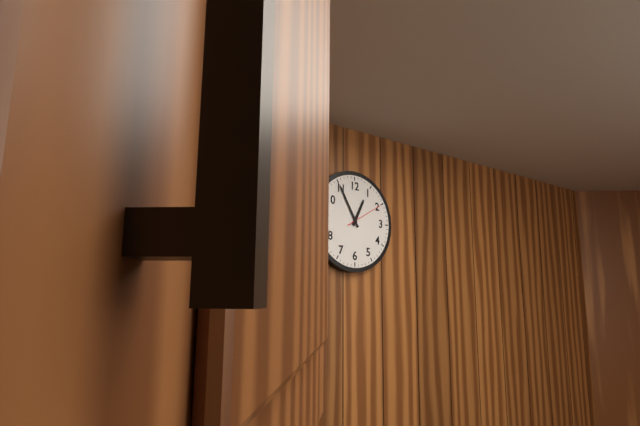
12:55
